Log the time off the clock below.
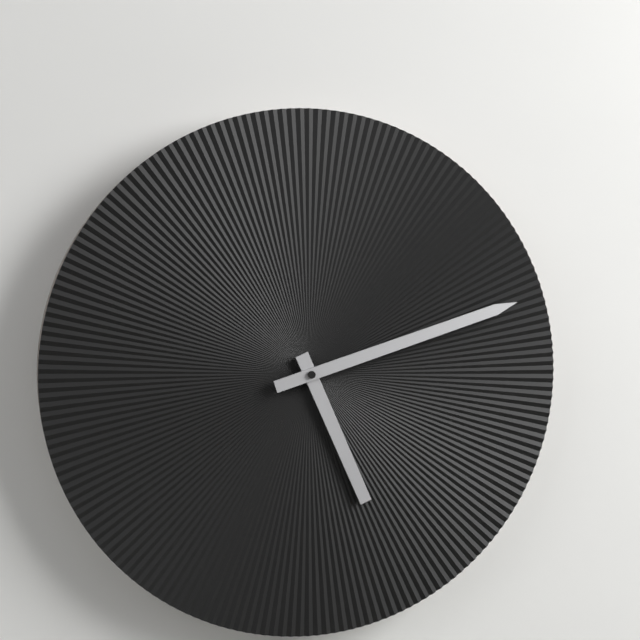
5:12
